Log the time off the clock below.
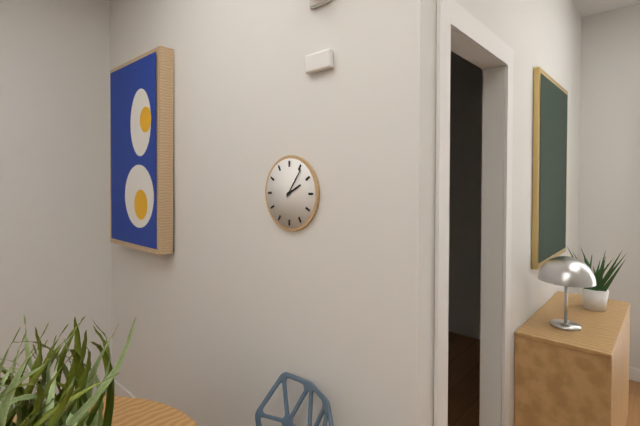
2:06
